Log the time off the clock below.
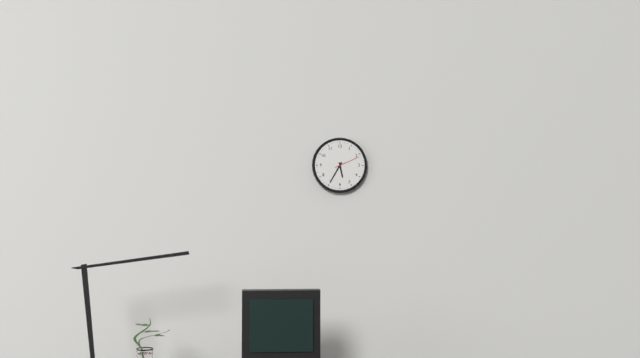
5:35
